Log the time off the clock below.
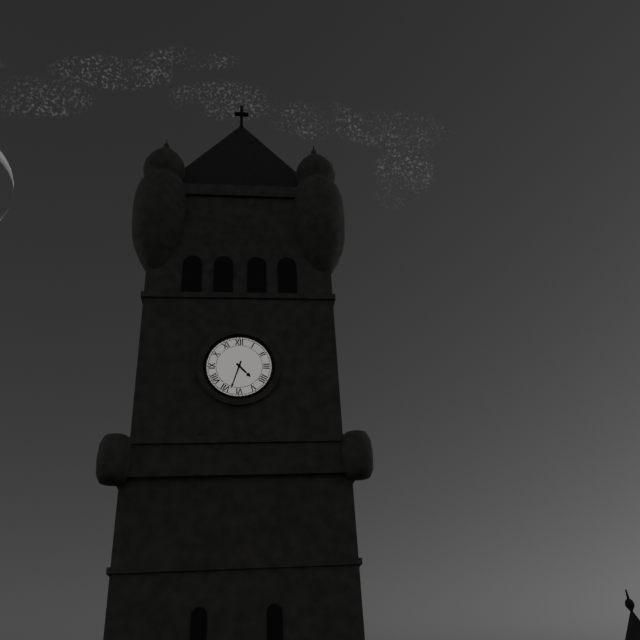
4:33
